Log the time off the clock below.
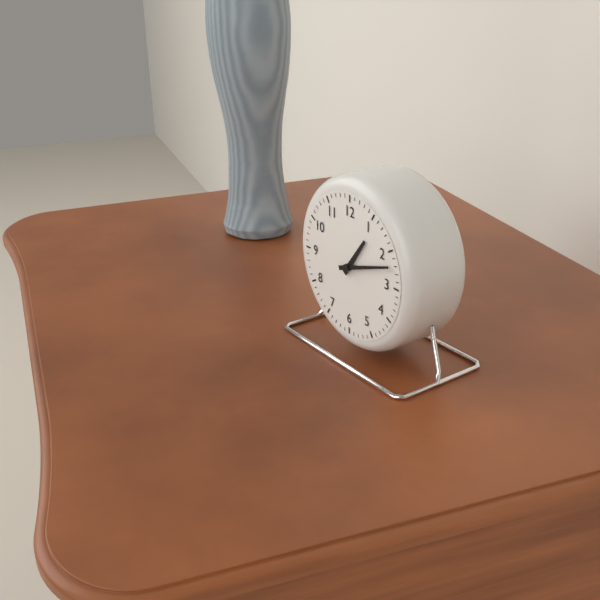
1:12
